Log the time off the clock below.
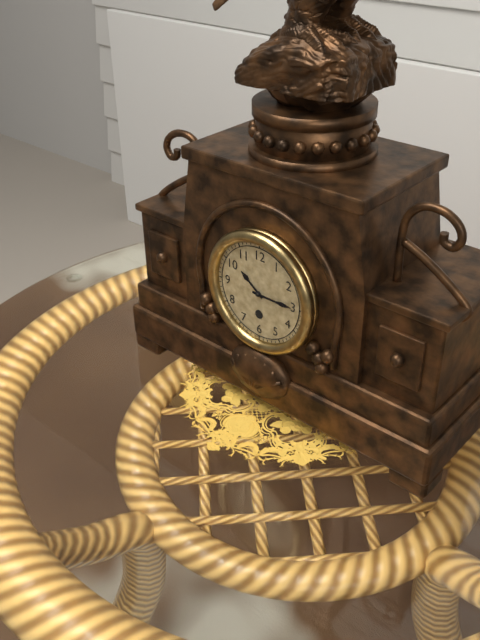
10:15
